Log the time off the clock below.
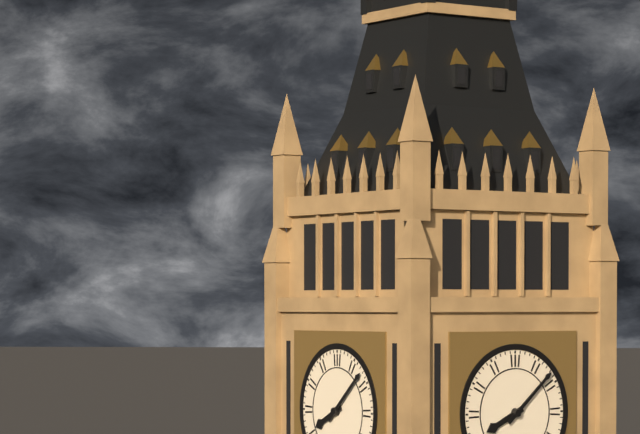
8:08
